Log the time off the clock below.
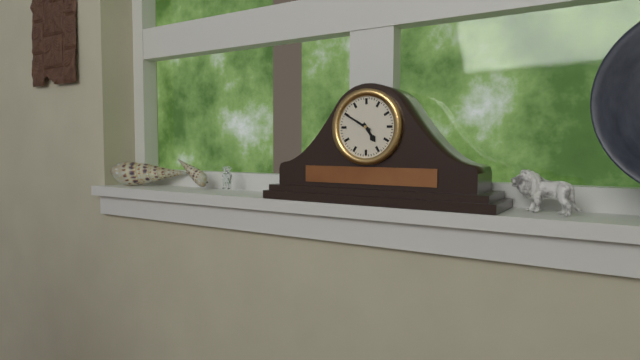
4:50
